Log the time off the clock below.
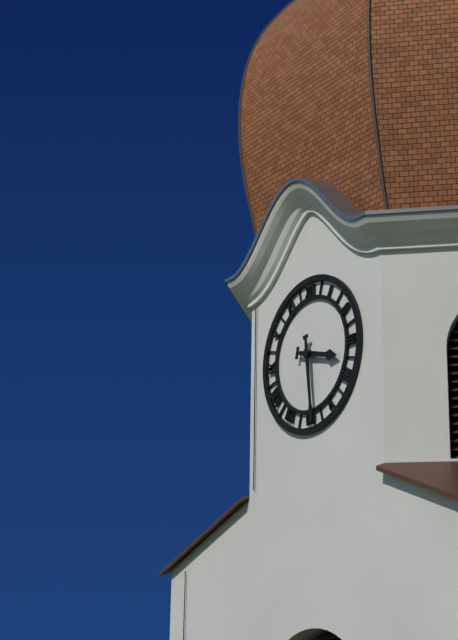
3:29
